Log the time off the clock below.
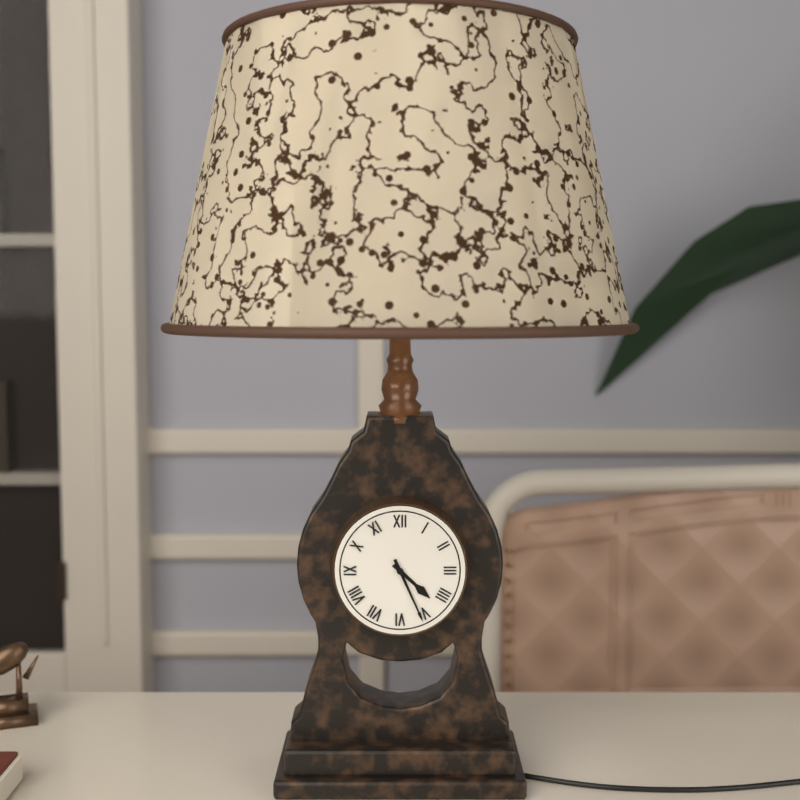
4:26
